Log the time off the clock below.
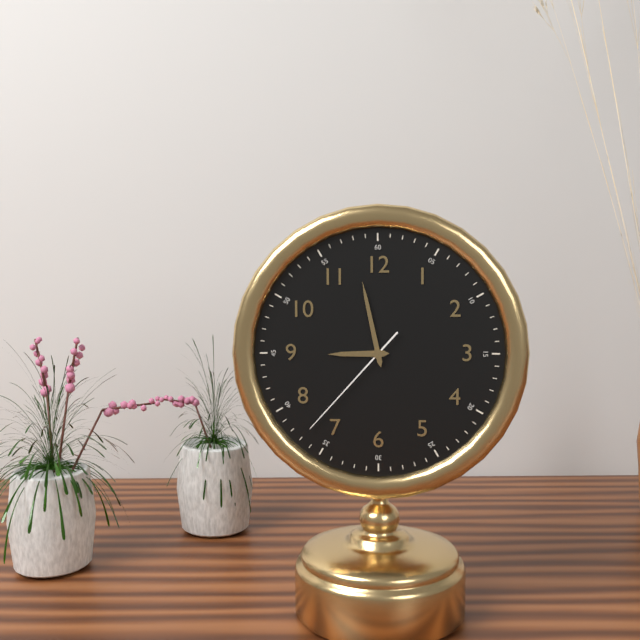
8:58:37
